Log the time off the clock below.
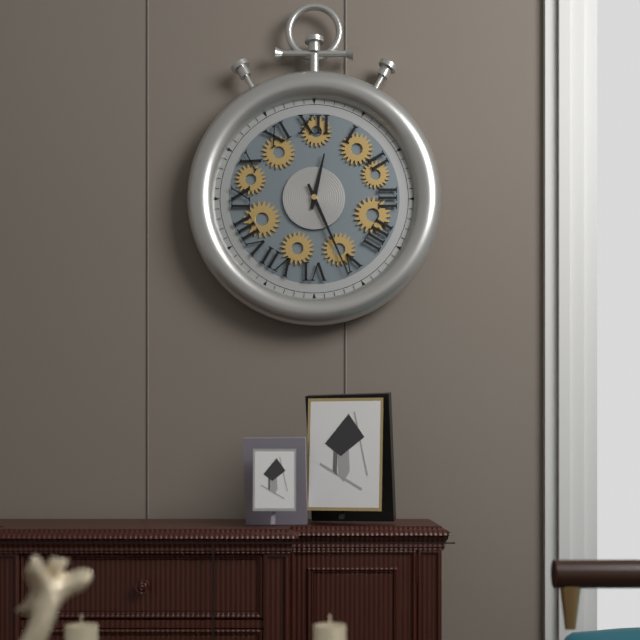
12:26
